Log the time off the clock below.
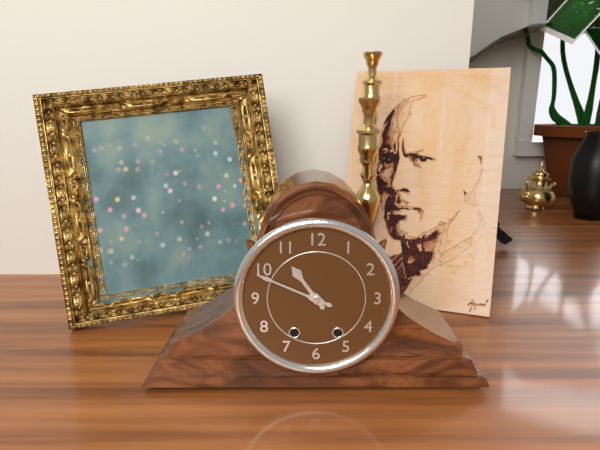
10:49
